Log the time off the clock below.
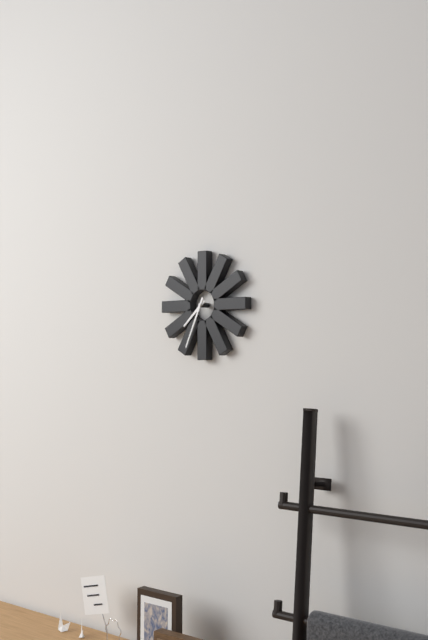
7:34
